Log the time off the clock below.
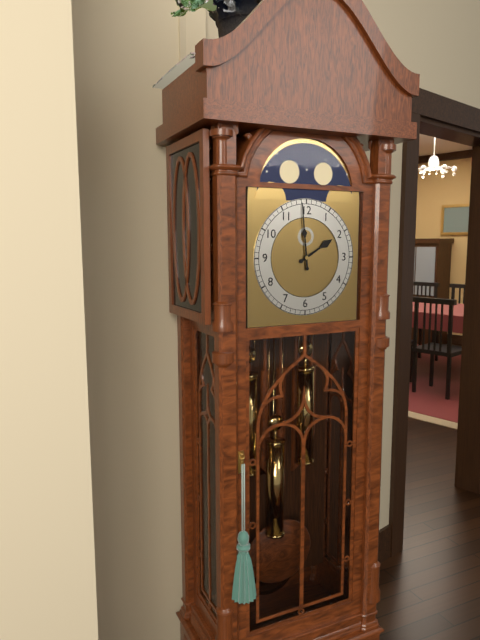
1:59
